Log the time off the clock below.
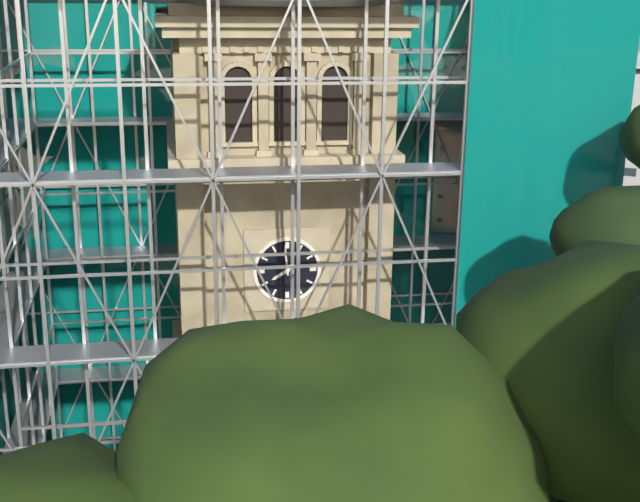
7:59
